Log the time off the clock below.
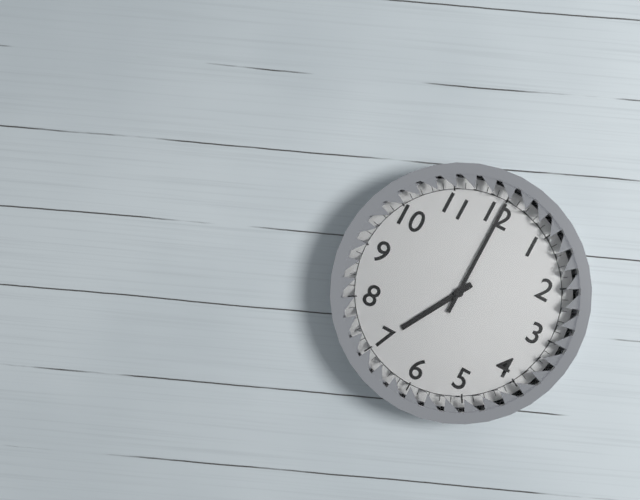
7:00
